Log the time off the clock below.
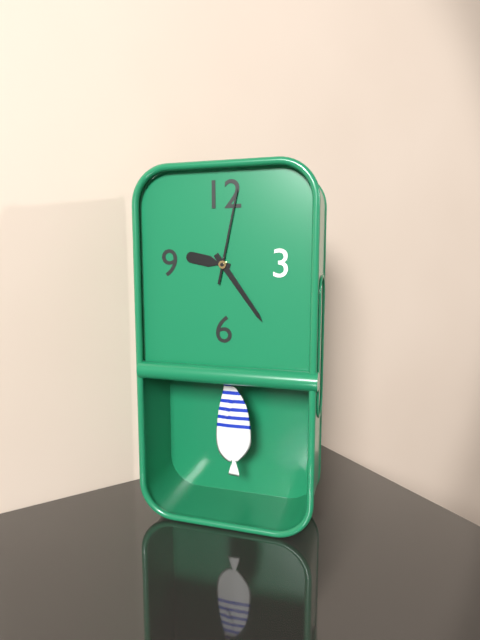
9:24:02
